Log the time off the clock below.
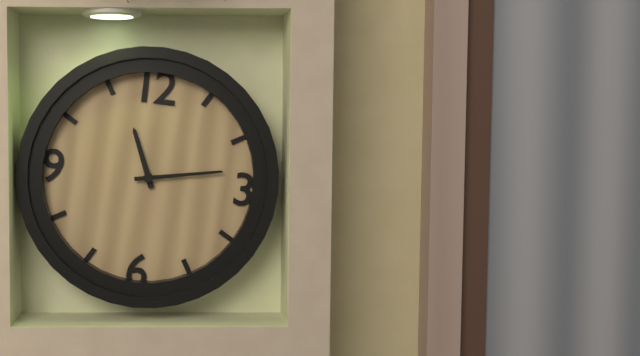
11:13
